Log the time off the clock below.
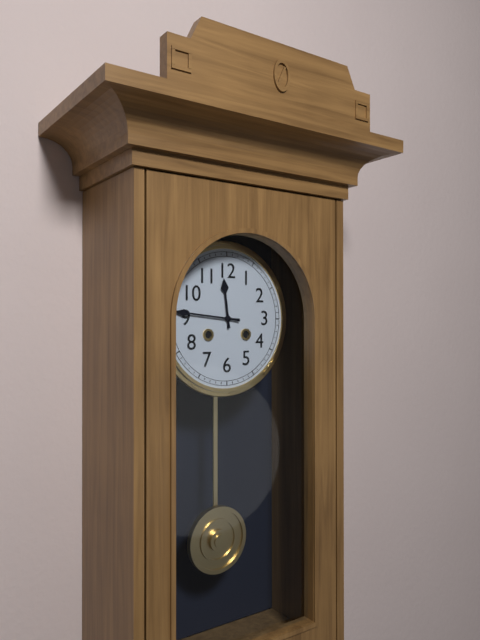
11:46
